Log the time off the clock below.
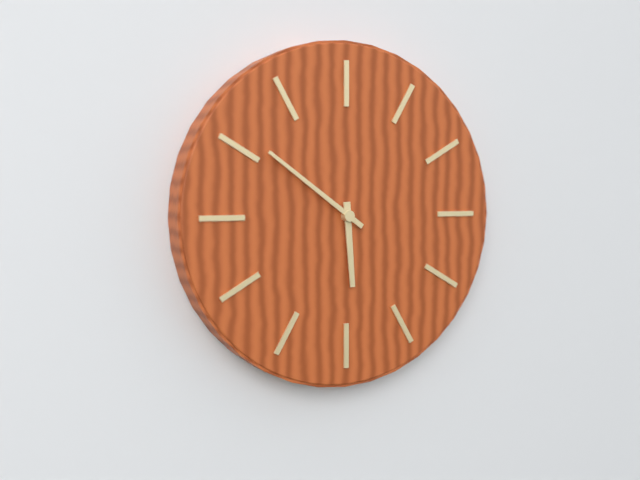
5:51
